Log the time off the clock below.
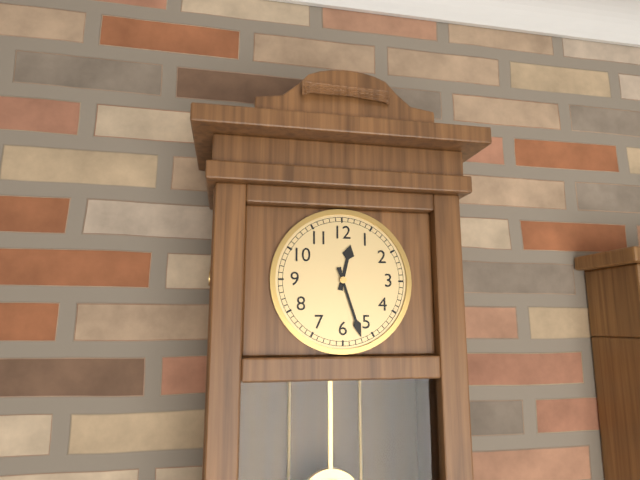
12:27
